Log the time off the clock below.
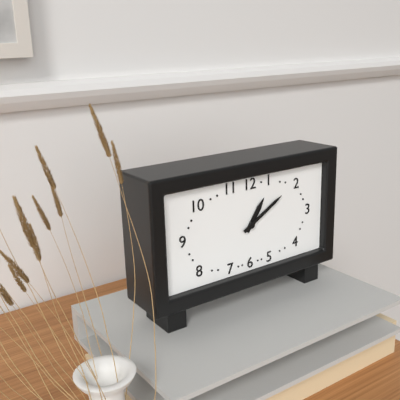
1:10
